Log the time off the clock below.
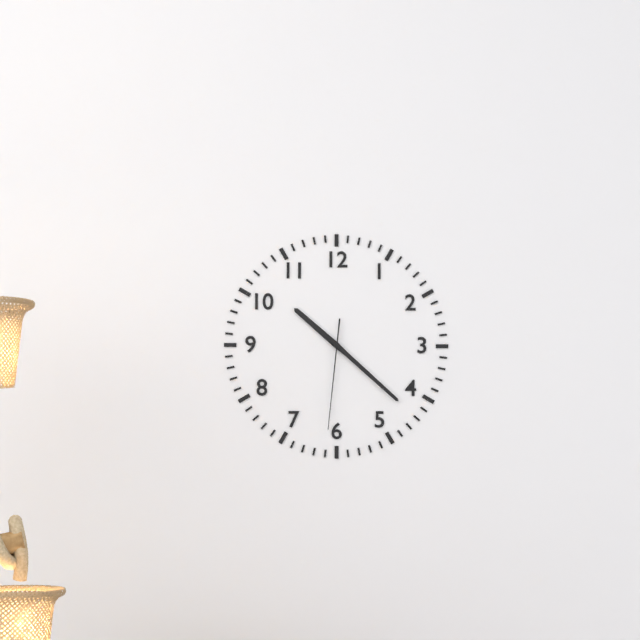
10:22:31
